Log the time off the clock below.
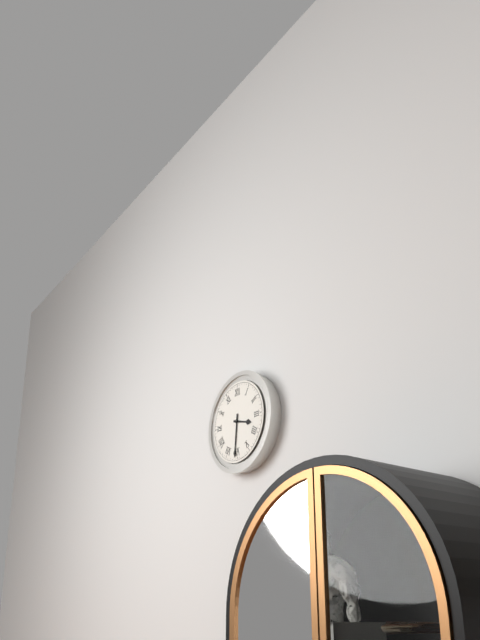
3:31
